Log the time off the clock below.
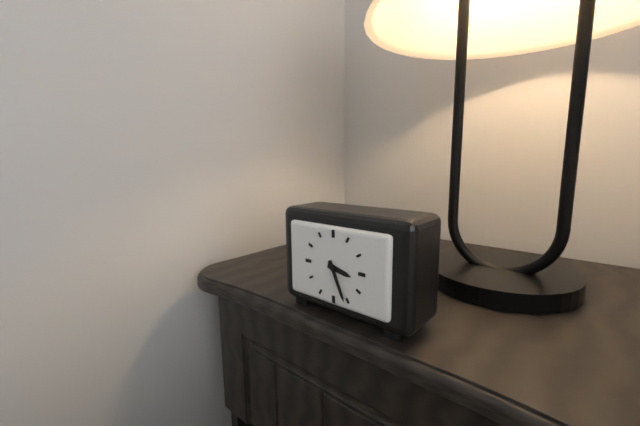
3:26
